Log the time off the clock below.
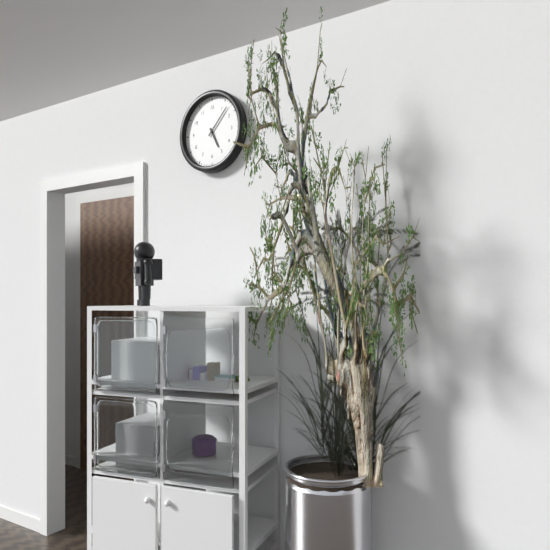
5:07
